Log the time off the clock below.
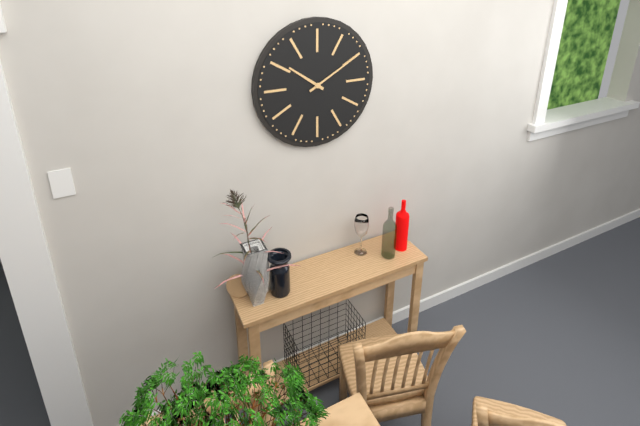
10:10
